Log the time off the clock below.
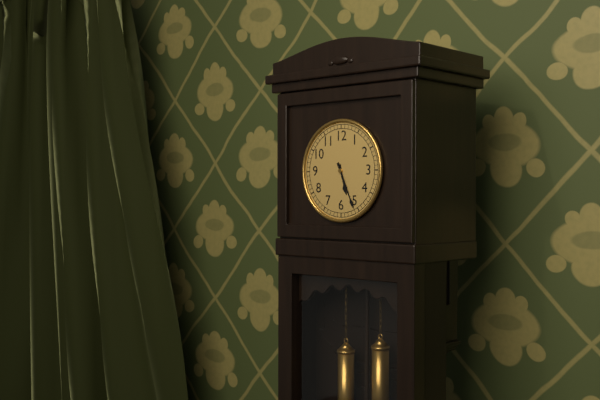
5:26
